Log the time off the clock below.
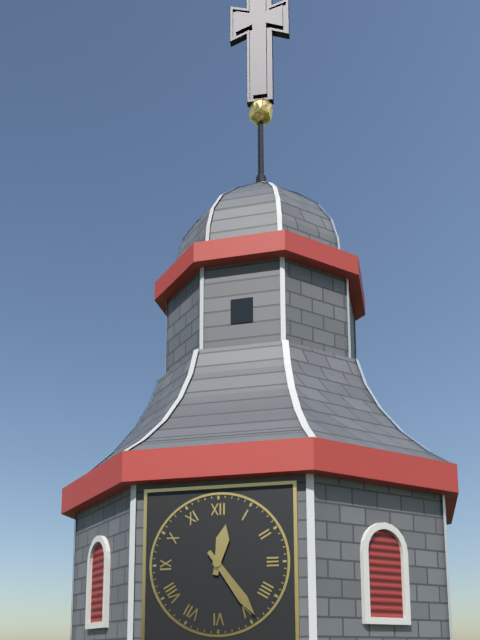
12:24
